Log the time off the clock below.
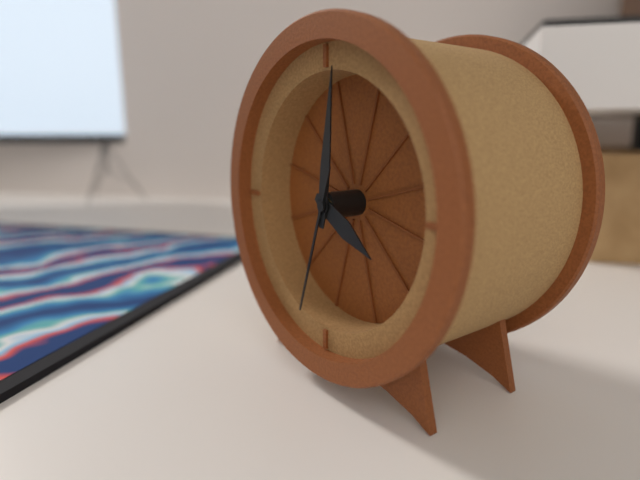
4:01:33
